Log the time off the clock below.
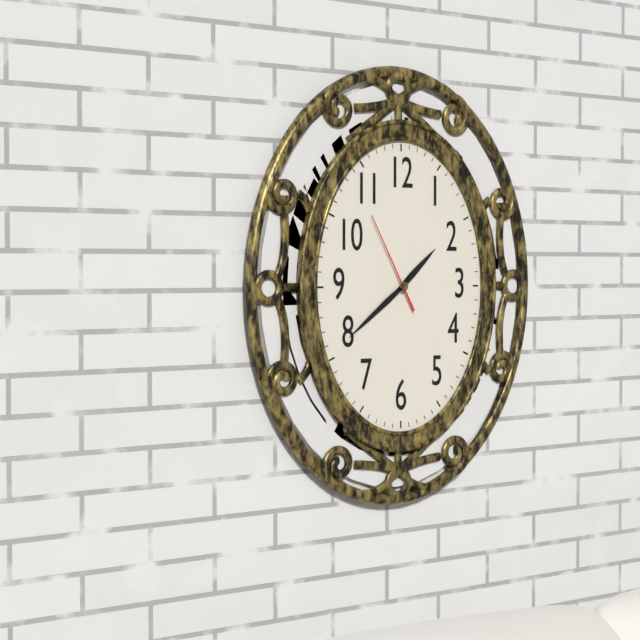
1:39:55
